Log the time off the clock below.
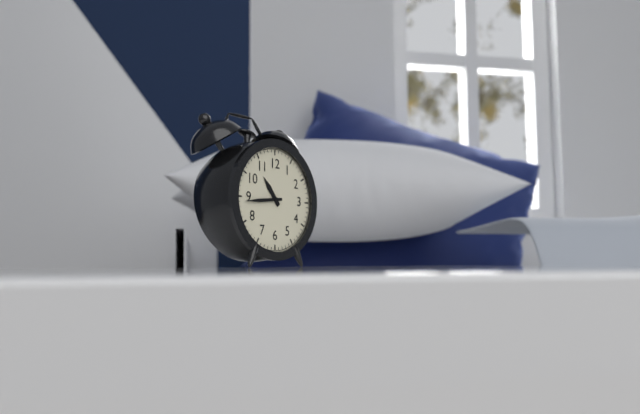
10:44
